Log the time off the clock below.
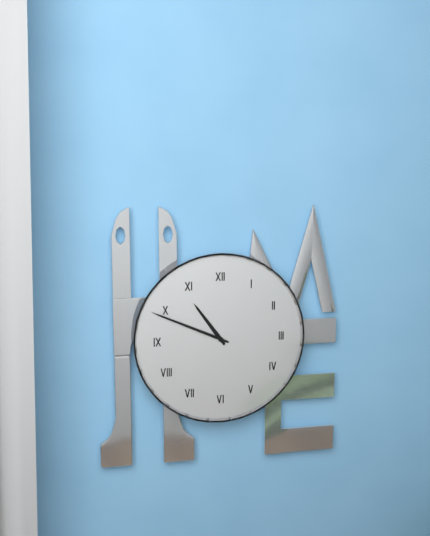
10:49
